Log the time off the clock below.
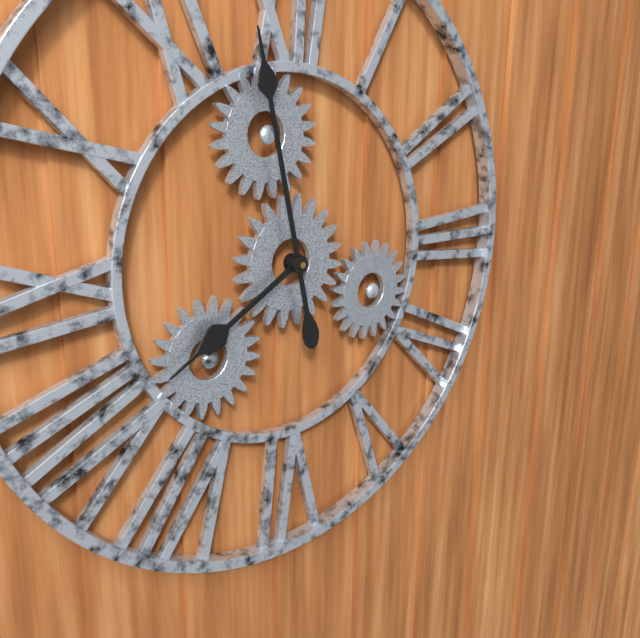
7:58
